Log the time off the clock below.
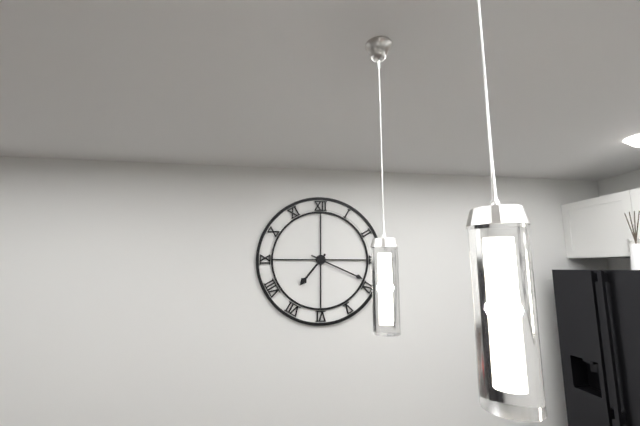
7:19
